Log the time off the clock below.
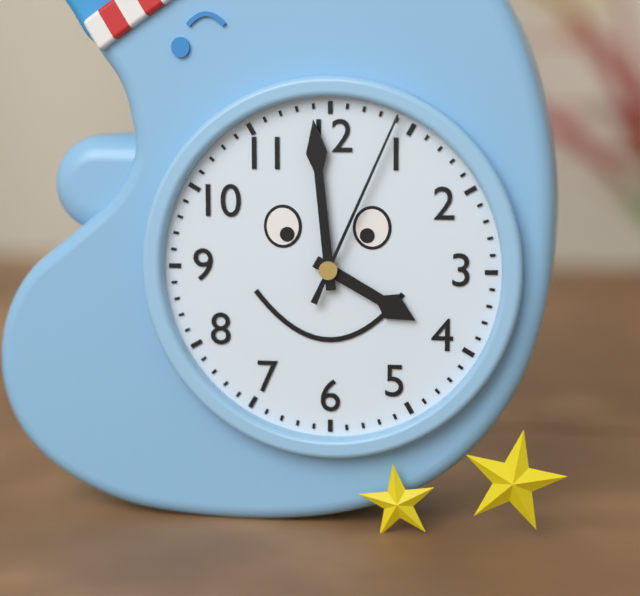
3:59:04
